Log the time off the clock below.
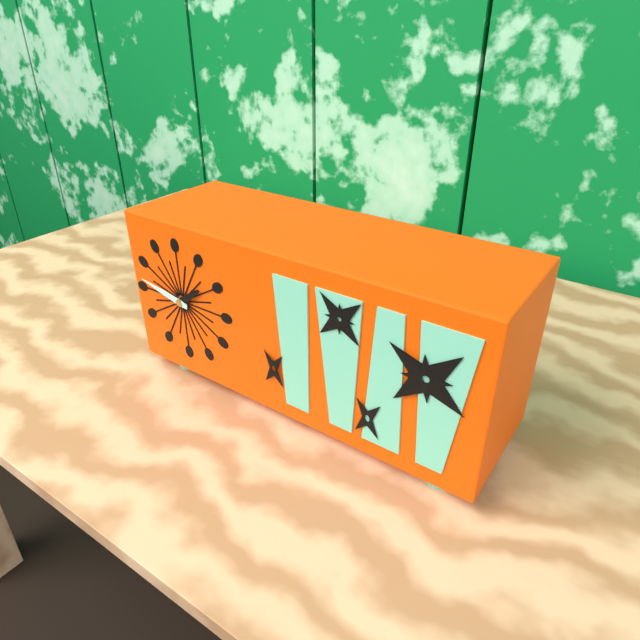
1:47
